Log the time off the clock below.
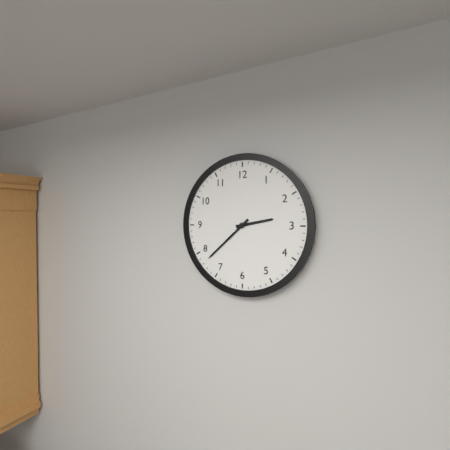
2:38
